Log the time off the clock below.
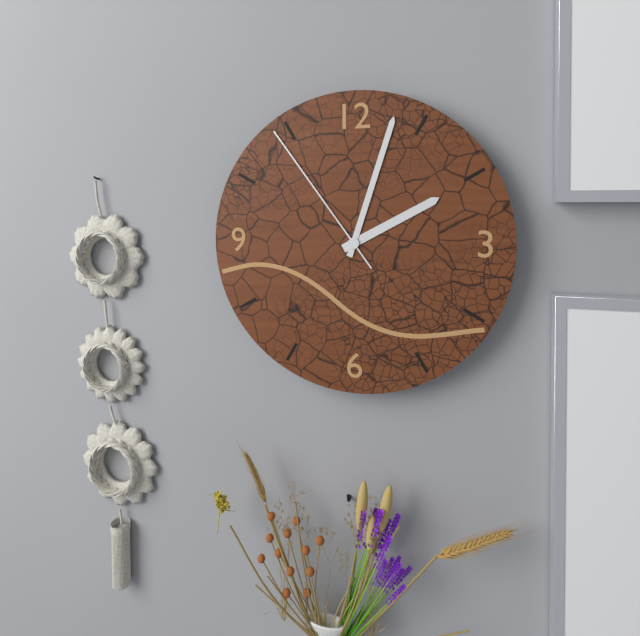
2:03:54
